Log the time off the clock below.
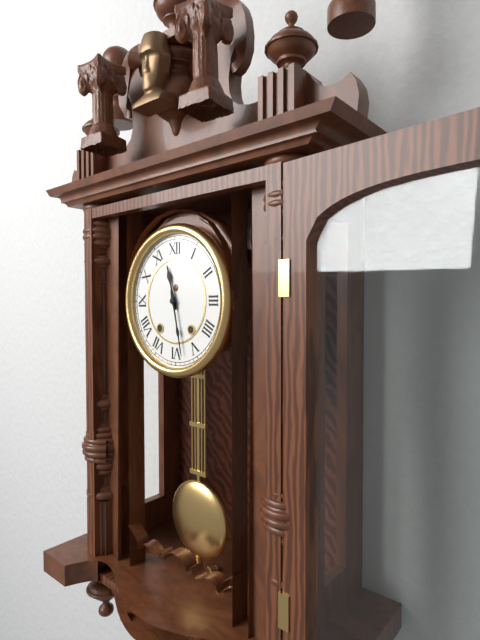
11:28
